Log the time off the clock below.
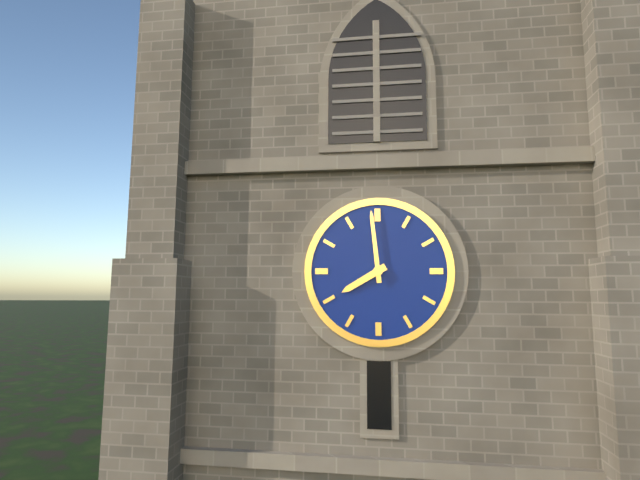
7:59
